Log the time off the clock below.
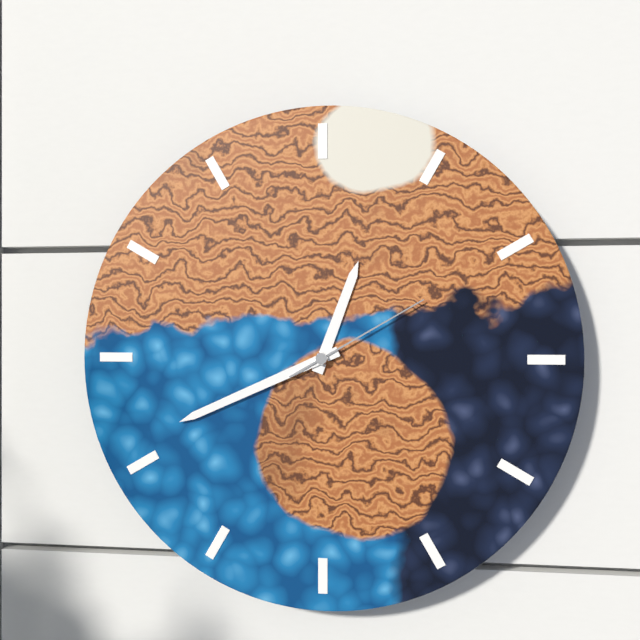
12:41:10
